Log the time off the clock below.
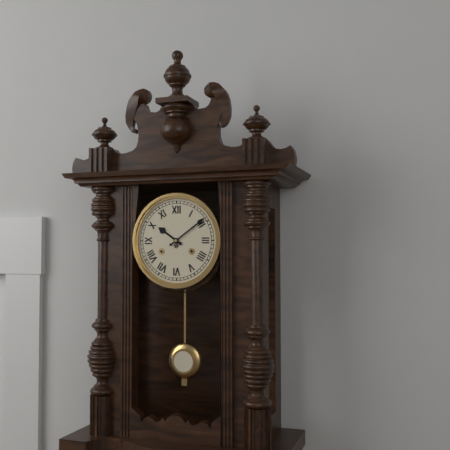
10:09
